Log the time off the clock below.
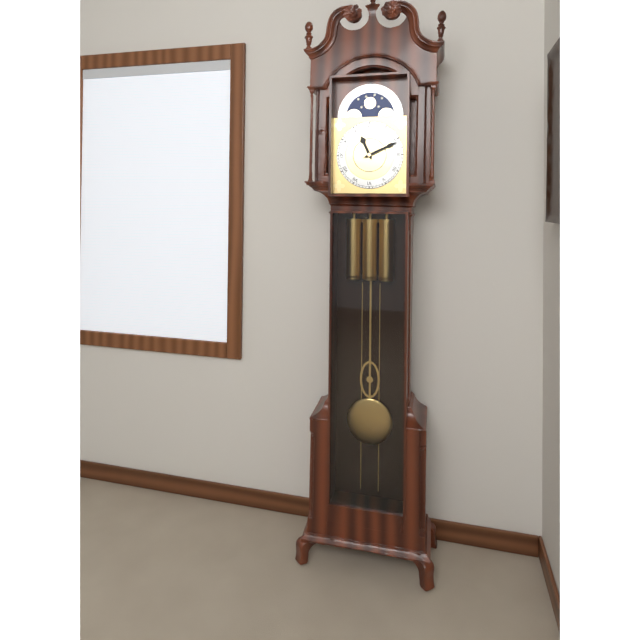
11:11
